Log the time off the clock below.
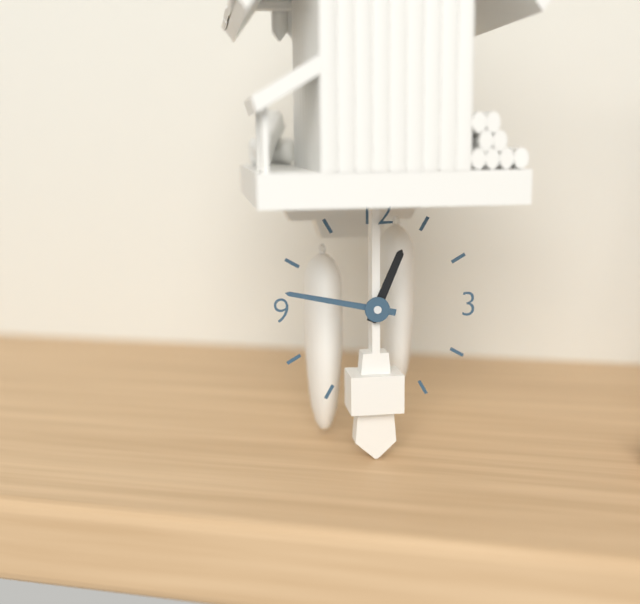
12:47
